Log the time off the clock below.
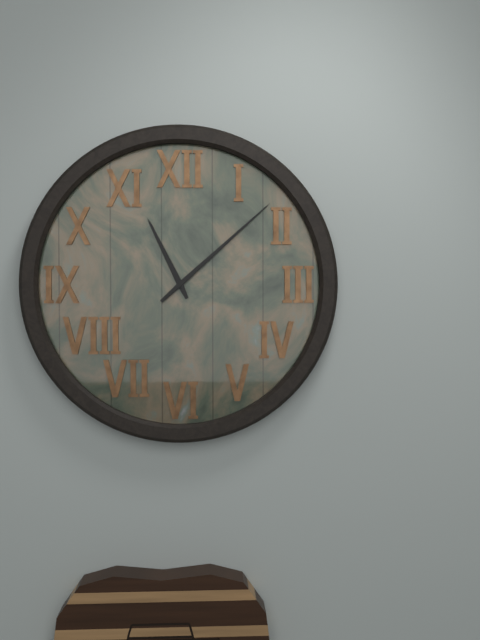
11:08
